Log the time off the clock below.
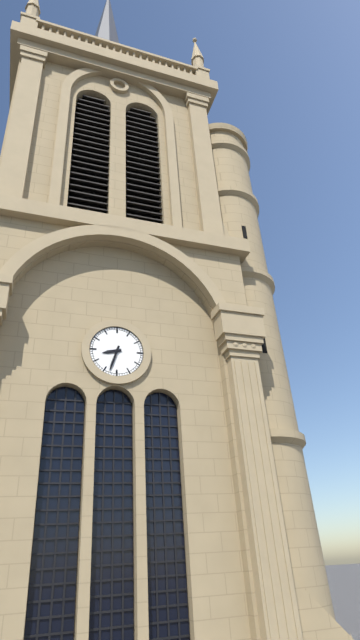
8:33
